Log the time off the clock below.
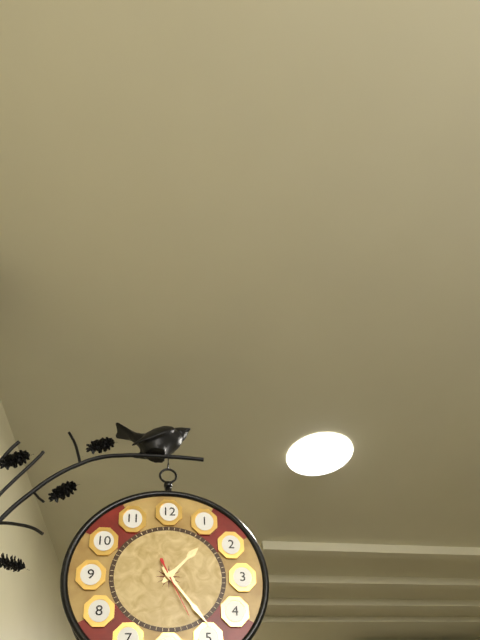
1:24:26
